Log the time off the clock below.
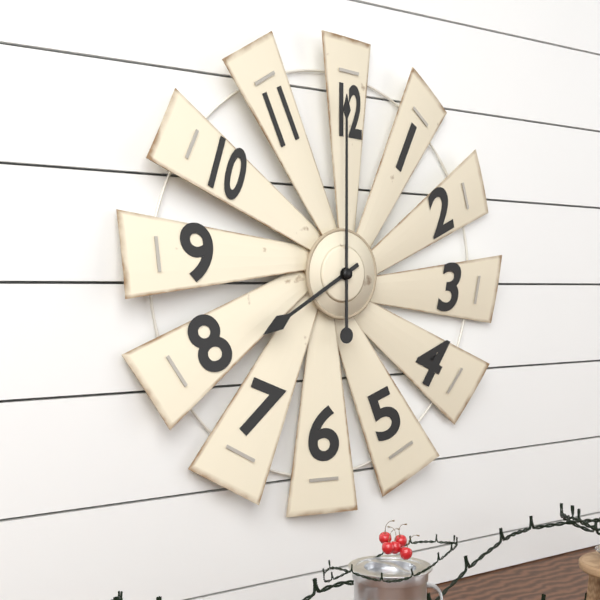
8:00
